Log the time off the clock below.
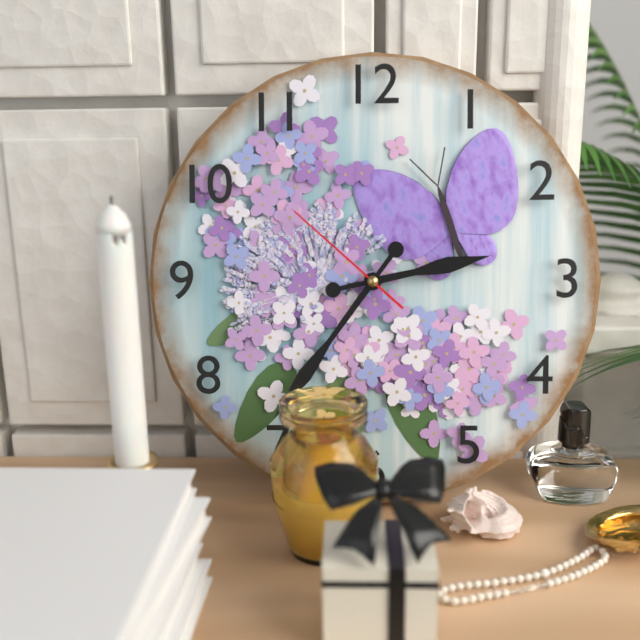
2:36:52
